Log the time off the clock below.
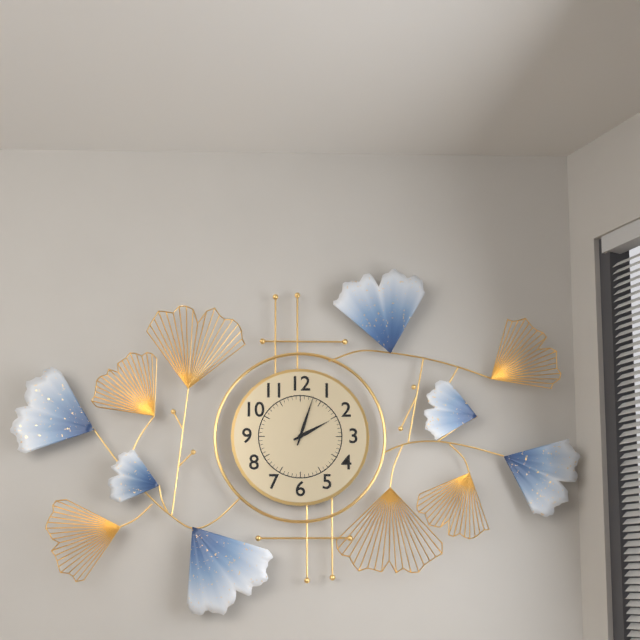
2:03
